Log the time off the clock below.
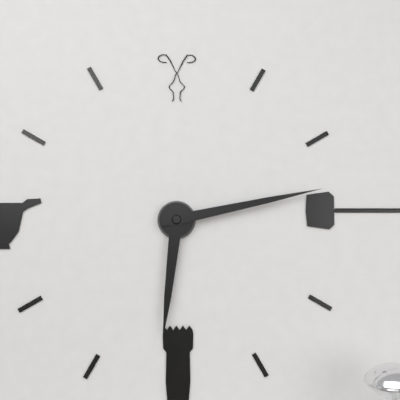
6:13
